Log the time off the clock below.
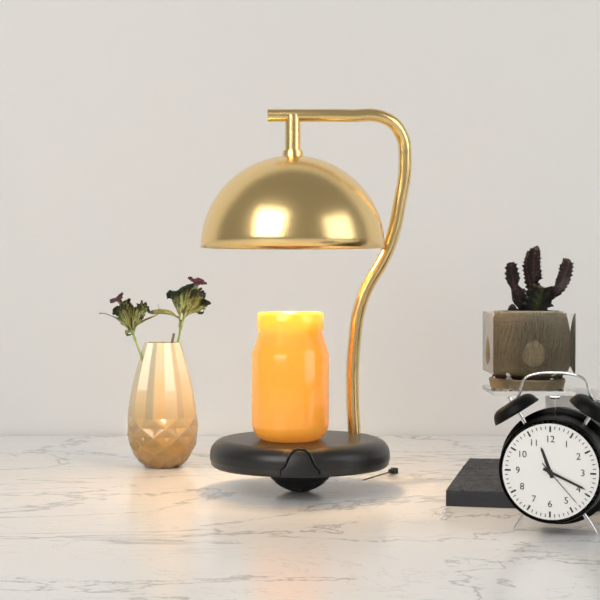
11:19:23
